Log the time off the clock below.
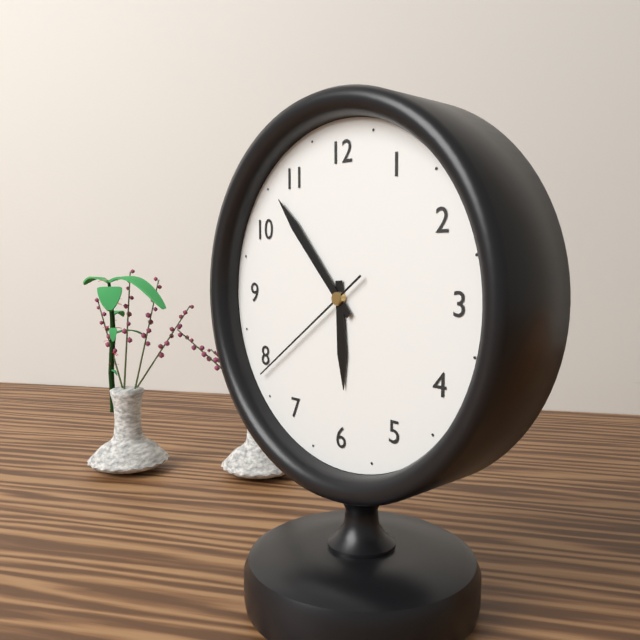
5:53:39
